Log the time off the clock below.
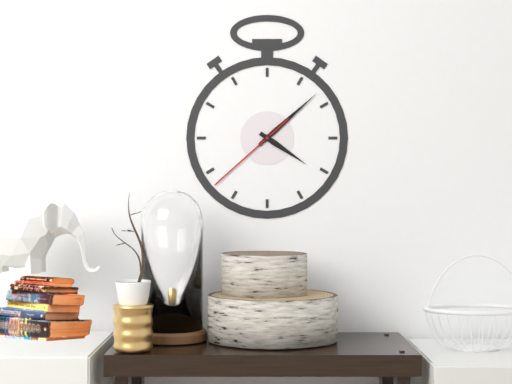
4:08:38
